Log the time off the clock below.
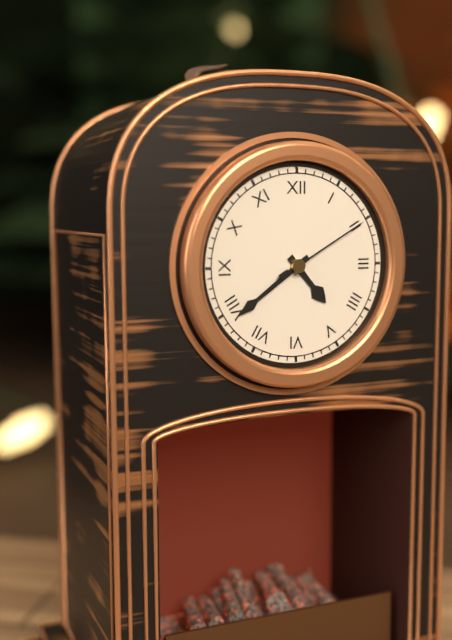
4:39:10
